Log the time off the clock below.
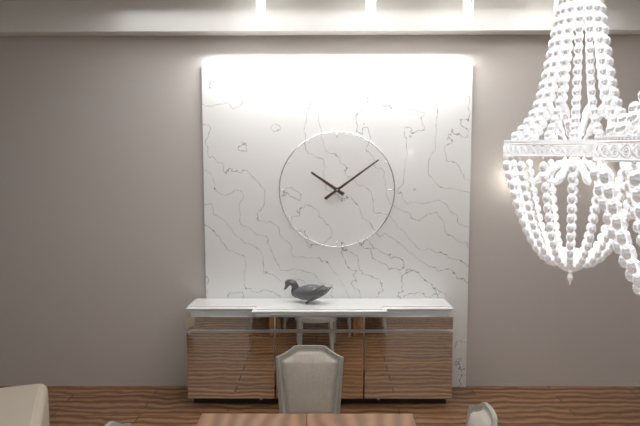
10:09
